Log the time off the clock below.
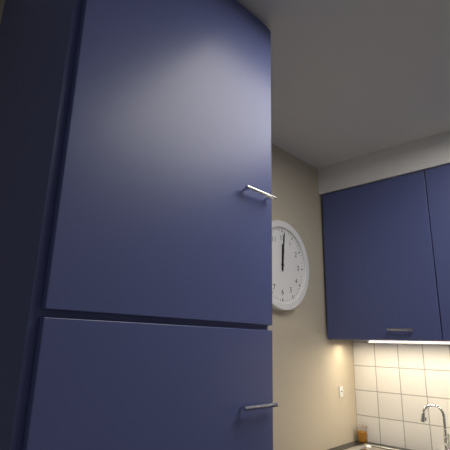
12:01
